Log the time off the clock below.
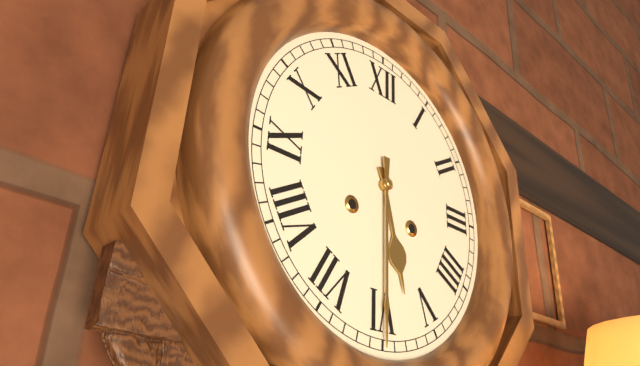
5:30
